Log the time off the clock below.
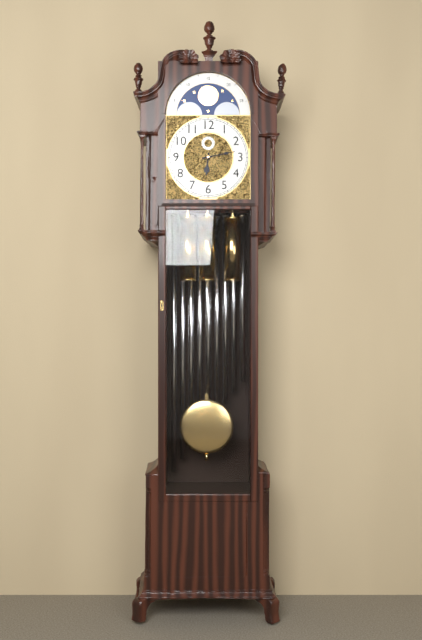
6:13
